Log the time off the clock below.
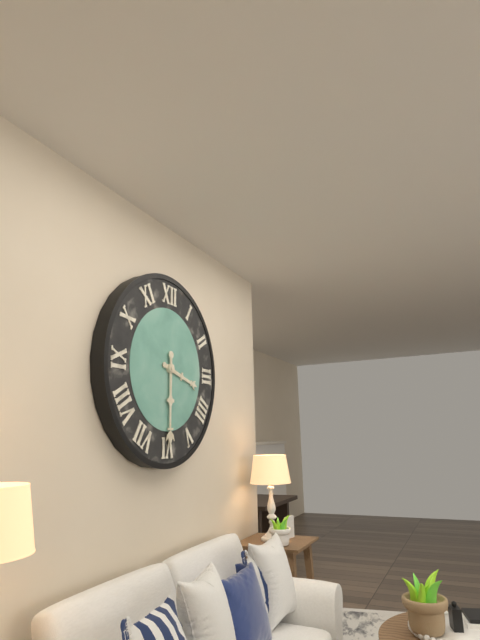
3:30
